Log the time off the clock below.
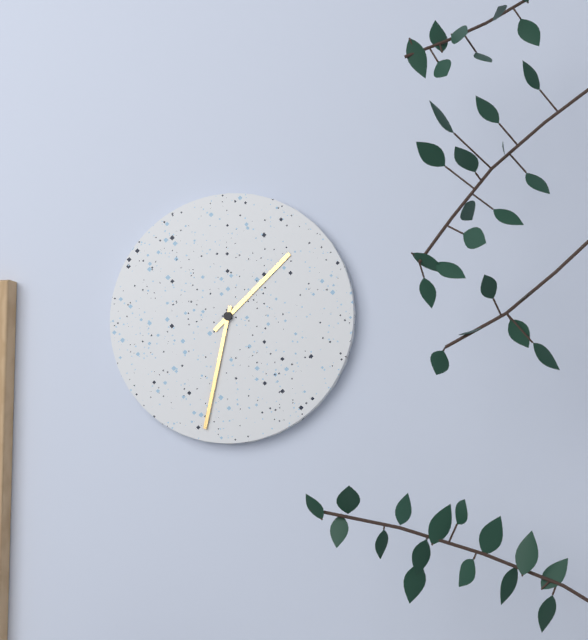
1:32
